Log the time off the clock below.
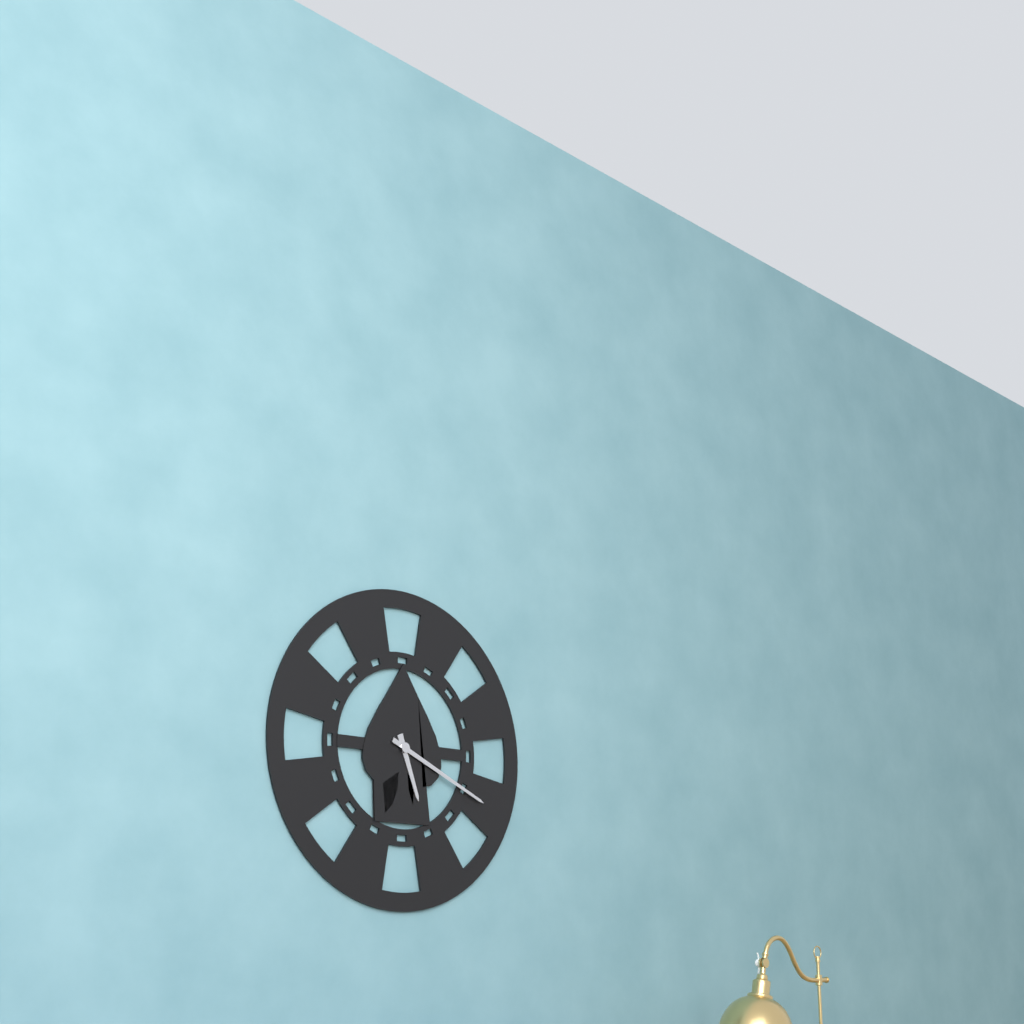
5:19
